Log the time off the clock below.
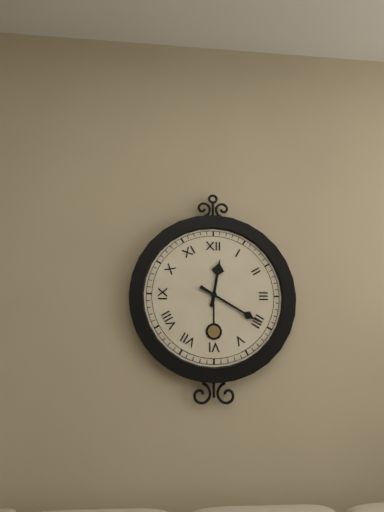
12:20
